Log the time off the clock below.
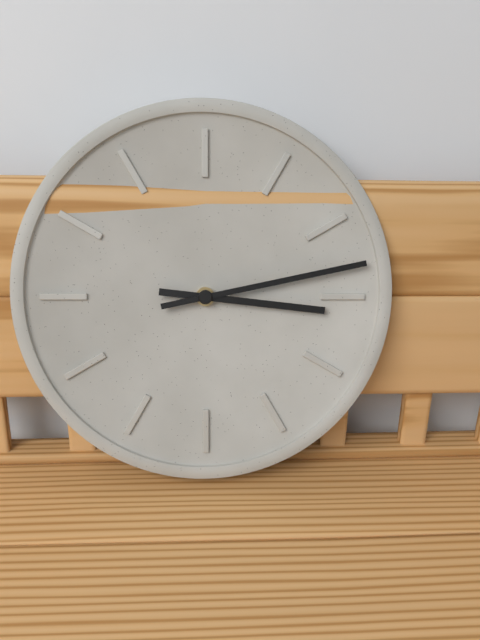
3:13
